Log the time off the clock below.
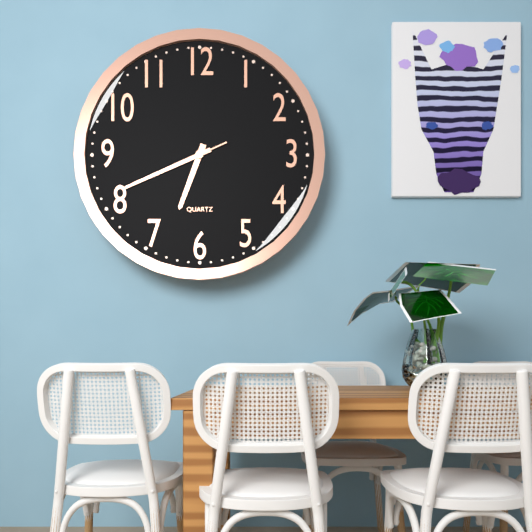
6:41:41
